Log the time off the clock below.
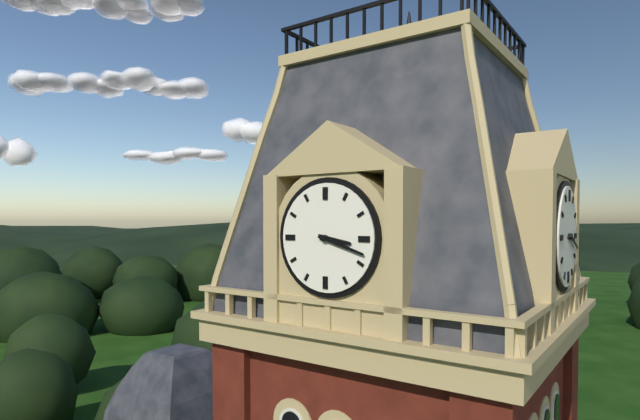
3:18
